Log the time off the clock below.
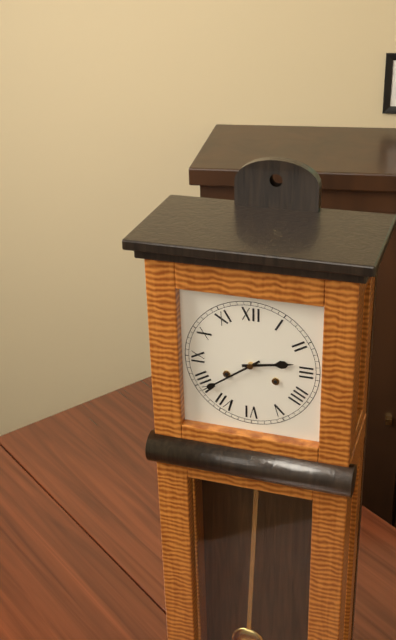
2:39
